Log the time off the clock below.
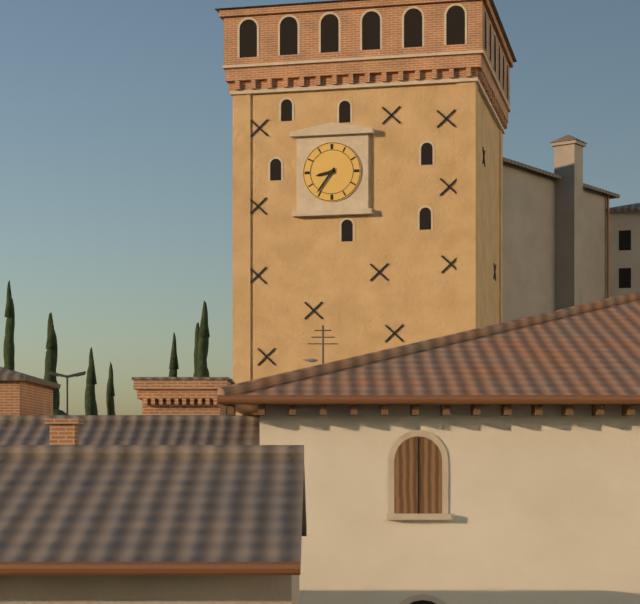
8:36
